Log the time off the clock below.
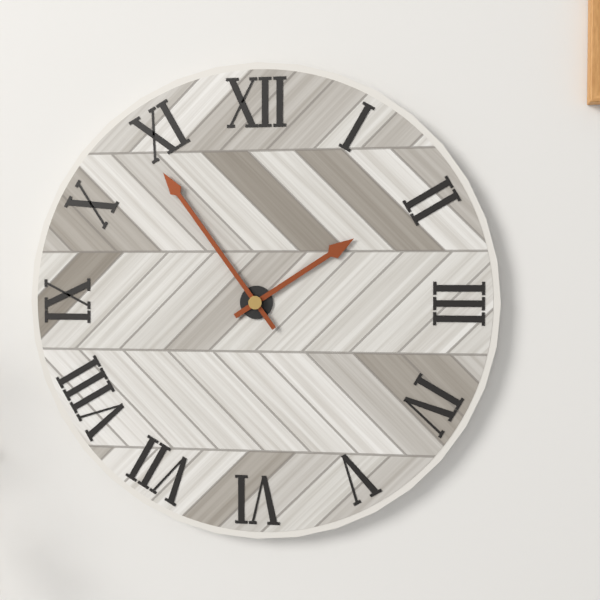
1:54
